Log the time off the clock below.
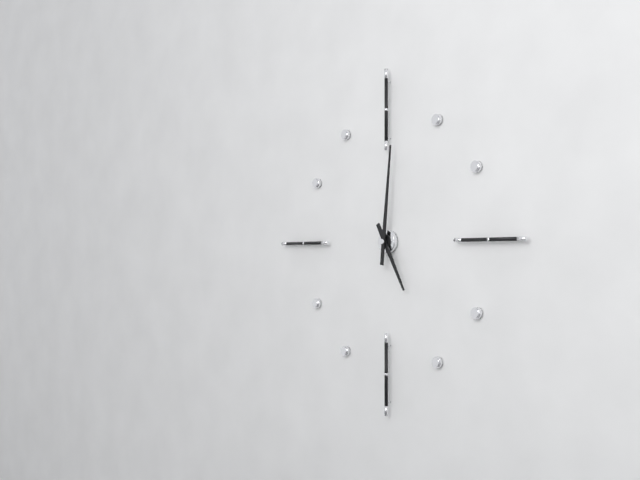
5:01
